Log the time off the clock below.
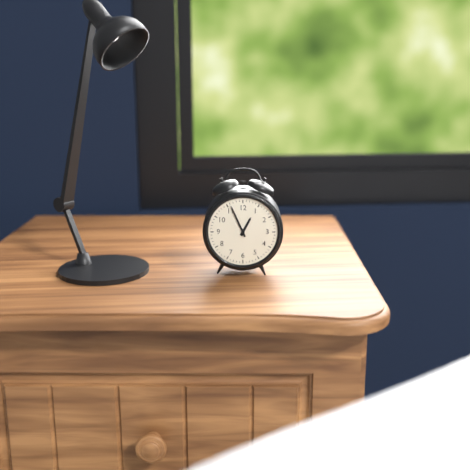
12:56
